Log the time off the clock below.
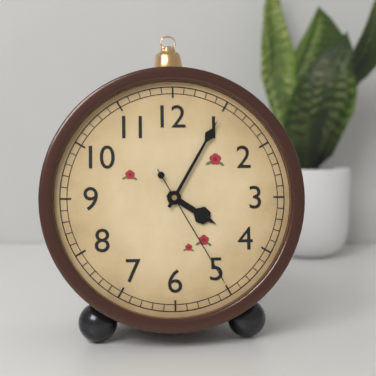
4:05:25
